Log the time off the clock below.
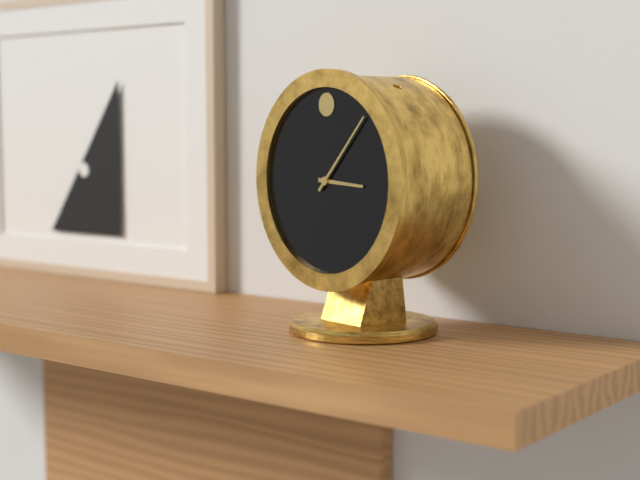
3:07
